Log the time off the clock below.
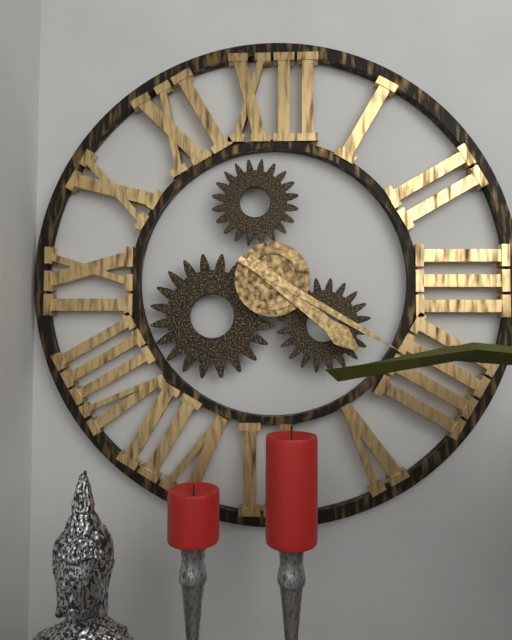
4:20
